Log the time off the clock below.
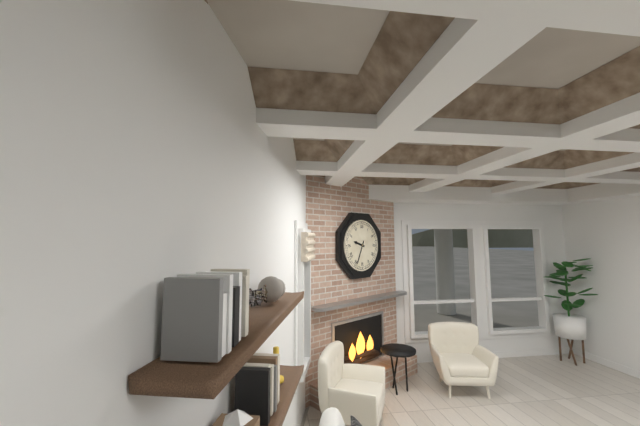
9:34
